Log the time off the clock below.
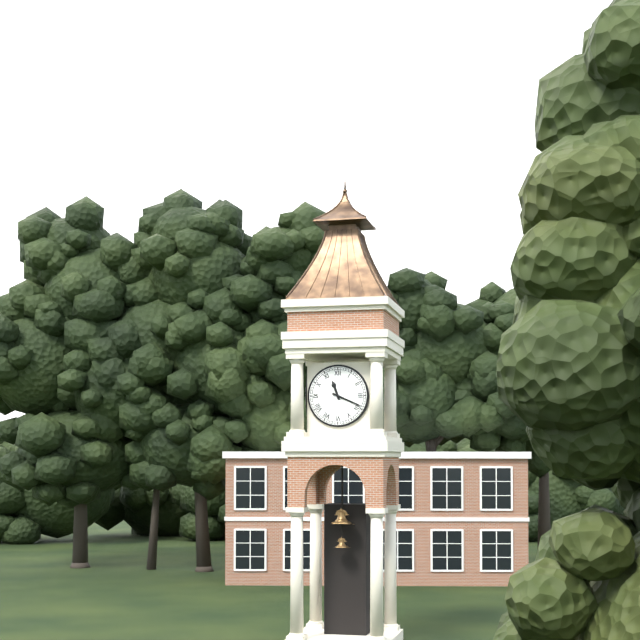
11:19
